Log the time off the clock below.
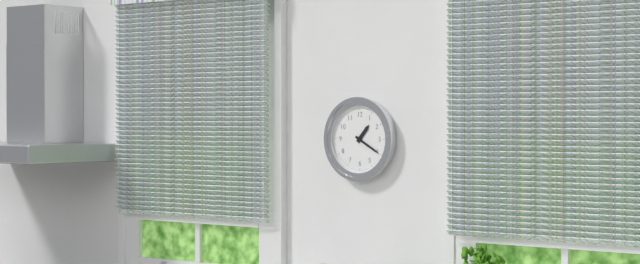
1:20
